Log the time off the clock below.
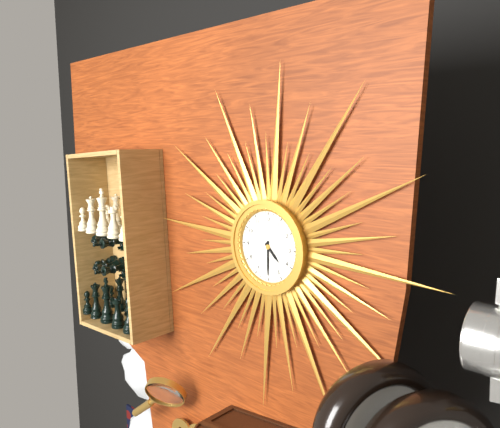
4:30
